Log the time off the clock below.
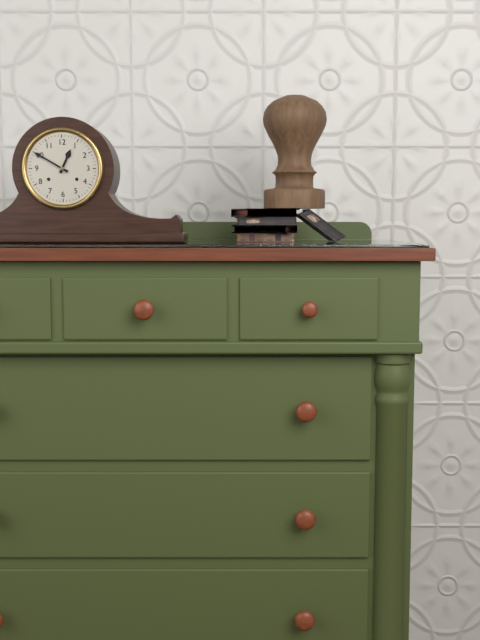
12:50
